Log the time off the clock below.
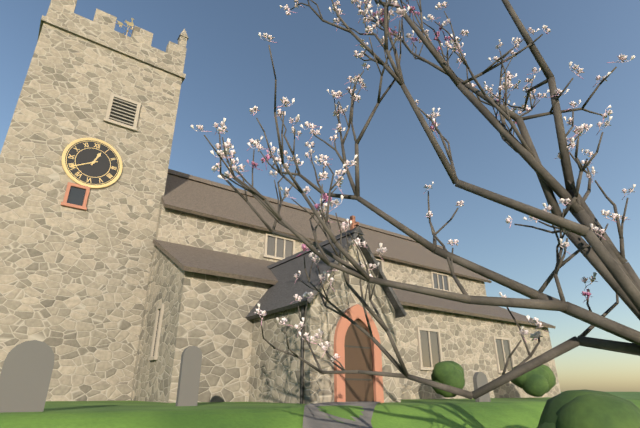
12:40
